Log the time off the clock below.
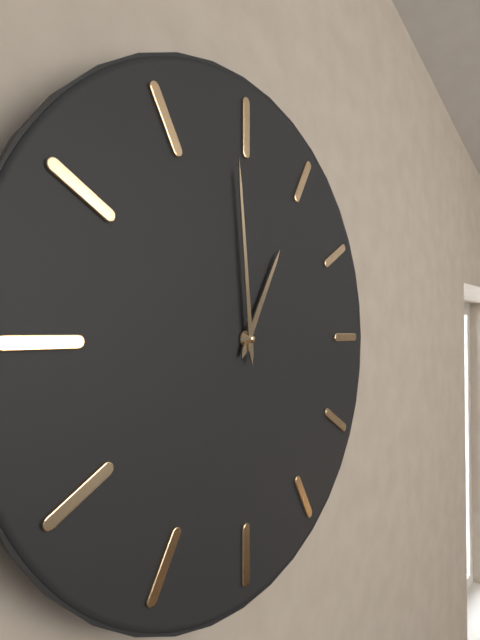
12:59
